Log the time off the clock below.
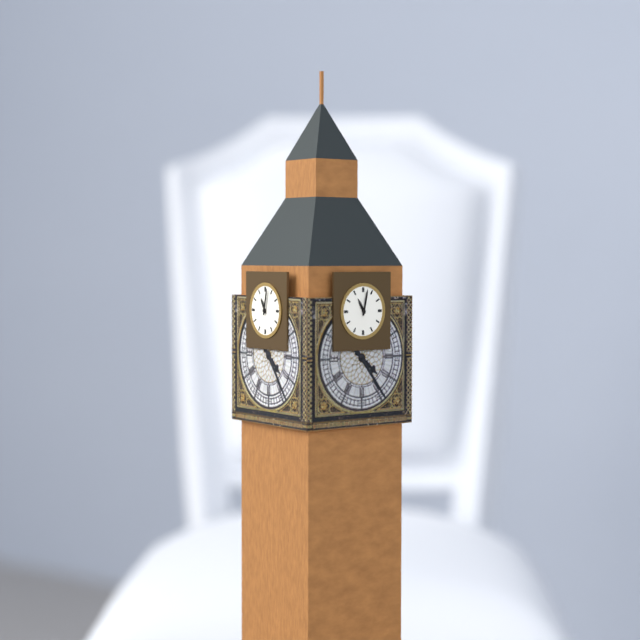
11:02
